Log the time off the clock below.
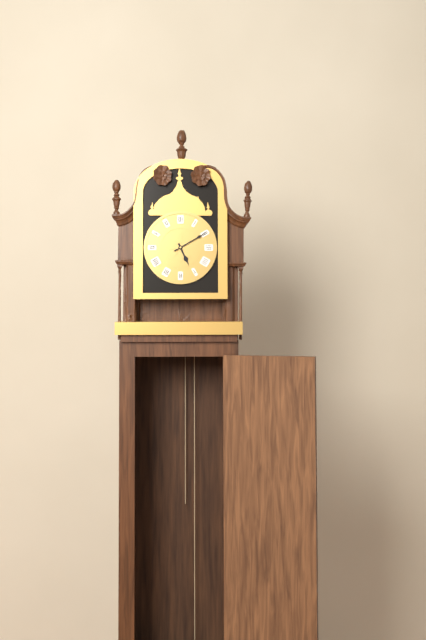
5:10
